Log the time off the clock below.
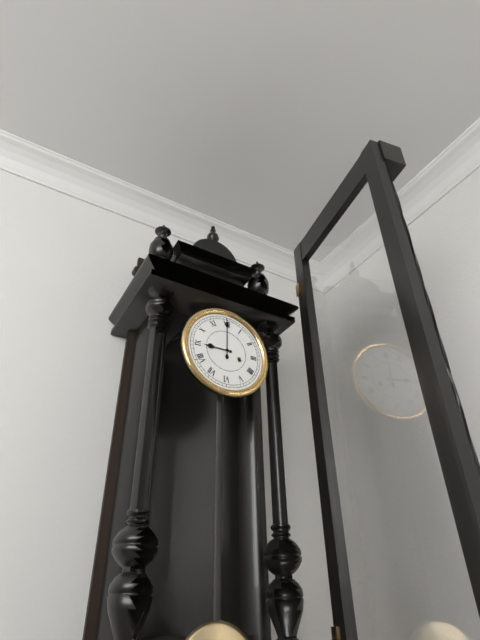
9:00
